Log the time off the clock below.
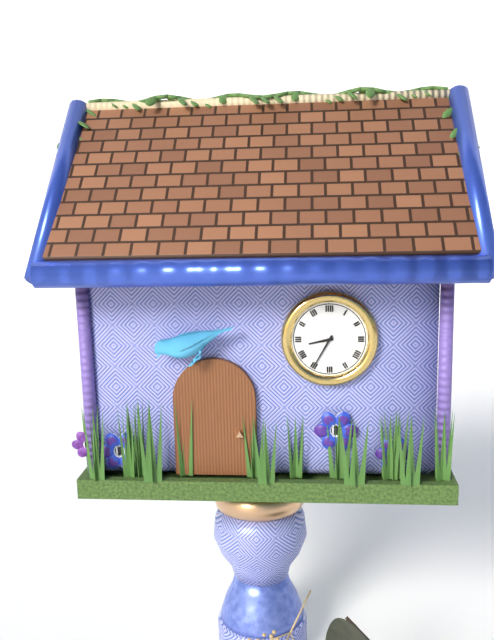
8:35
